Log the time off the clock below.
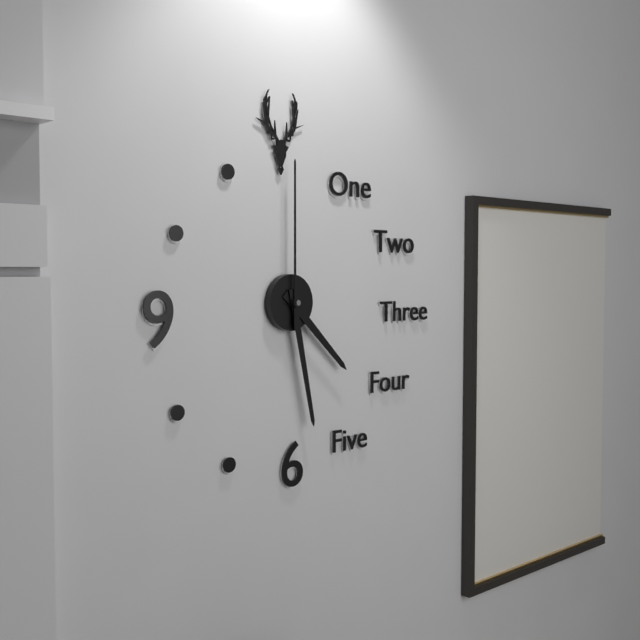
4:28:00
